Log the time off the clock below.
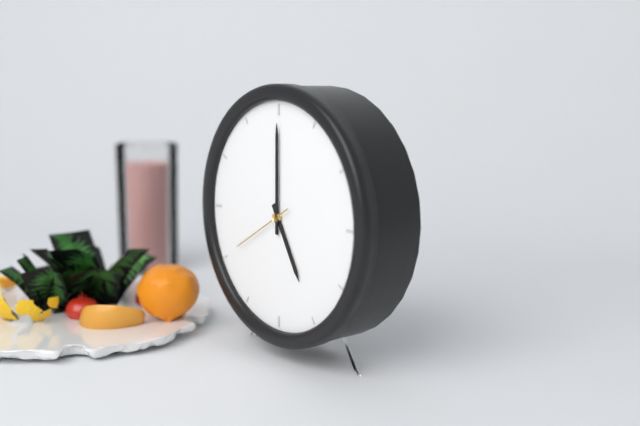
5:00:40
